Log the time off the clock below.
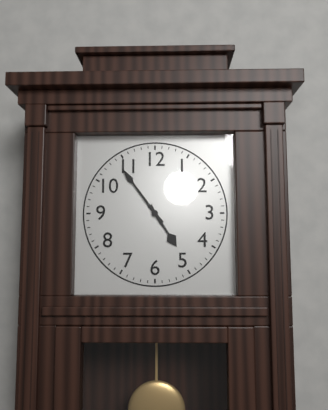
4:54
